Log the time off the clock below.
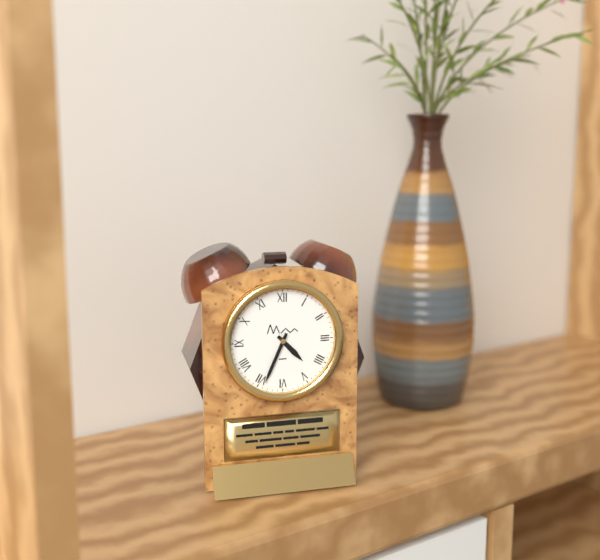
4:34
